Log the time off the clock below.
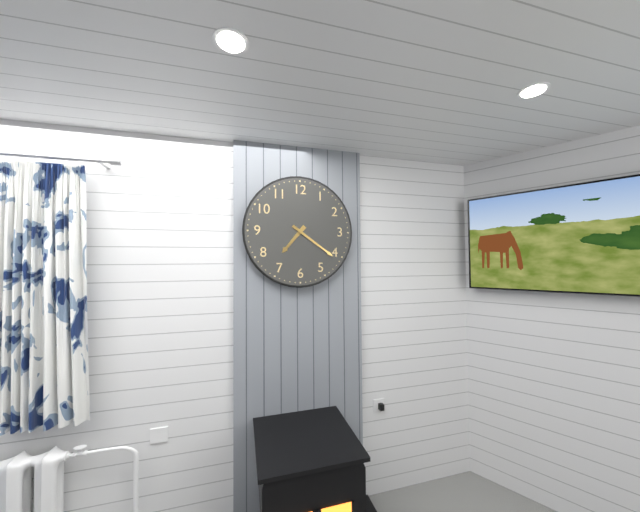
7:21
